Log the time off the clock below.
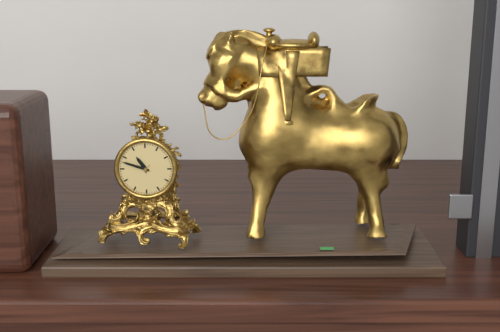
10:48
